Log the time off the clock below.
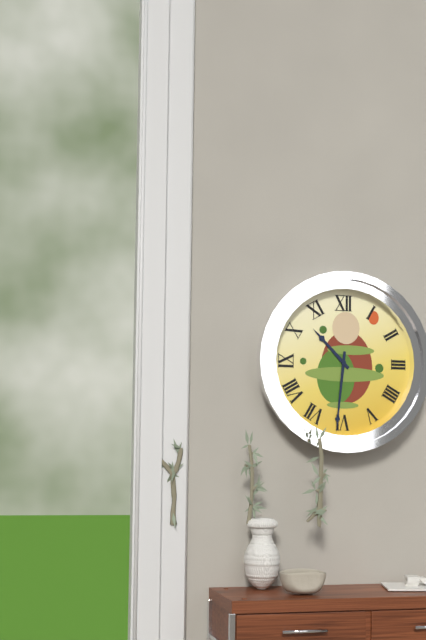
10:31
